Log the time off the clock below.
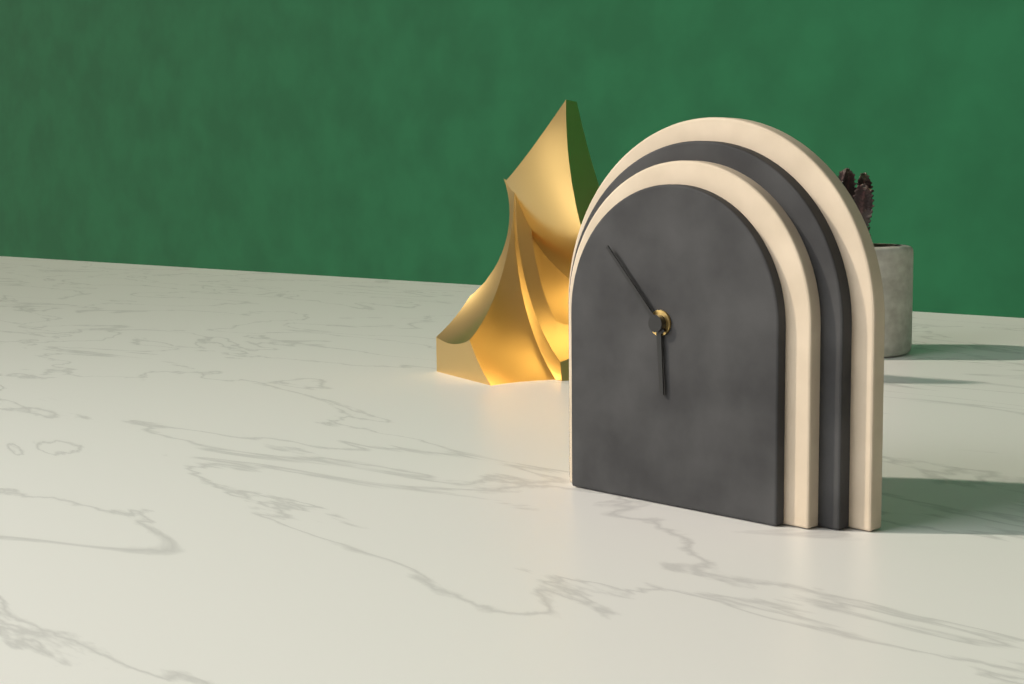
5:53
